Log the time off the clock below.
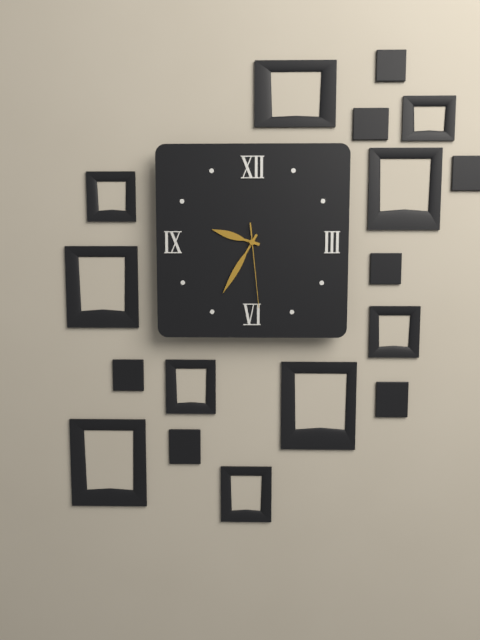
9:35:29
